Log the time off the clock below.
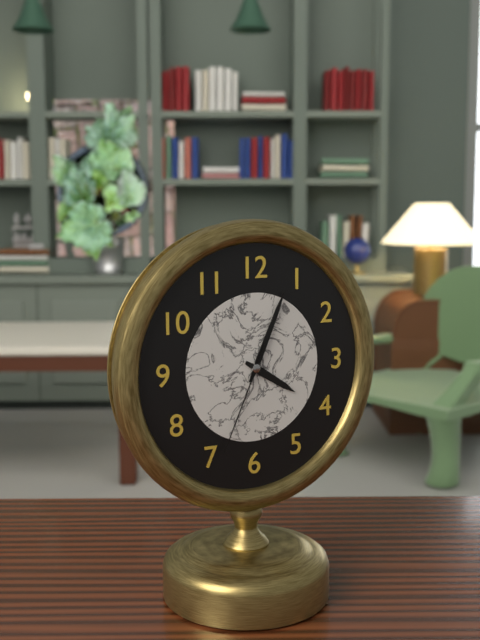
4:04:34
